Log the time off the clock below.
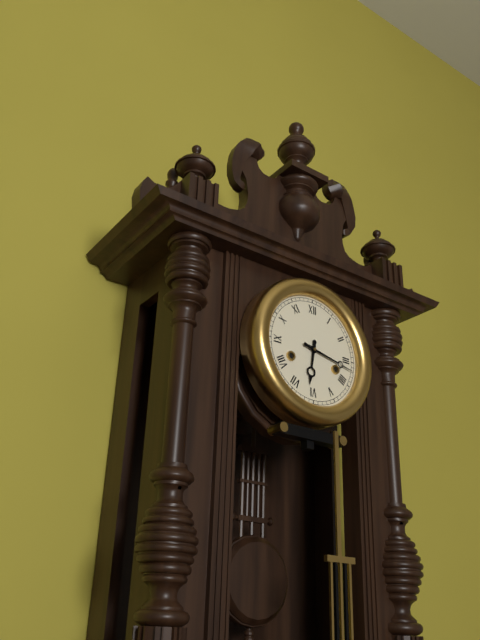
6:17
